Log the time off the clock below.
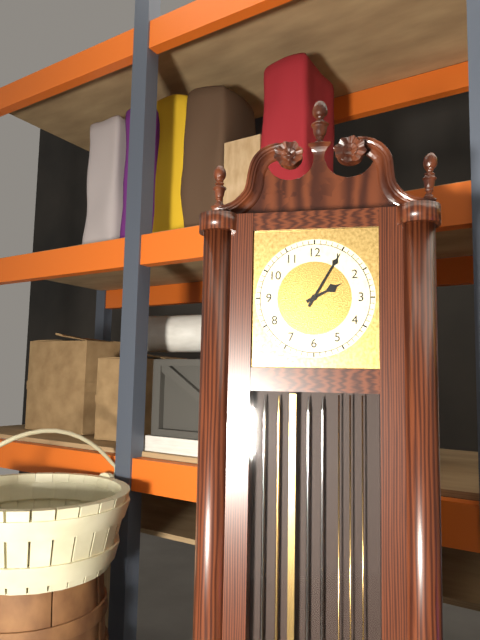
2:05
